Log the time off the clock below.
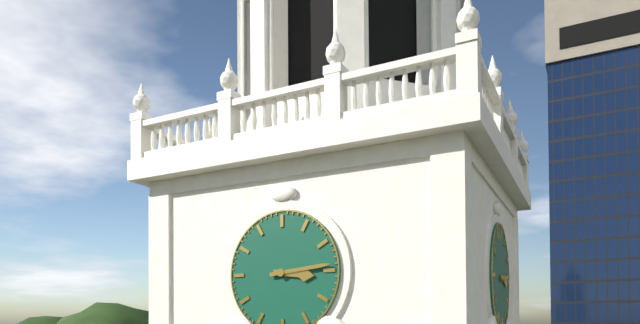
3:14
